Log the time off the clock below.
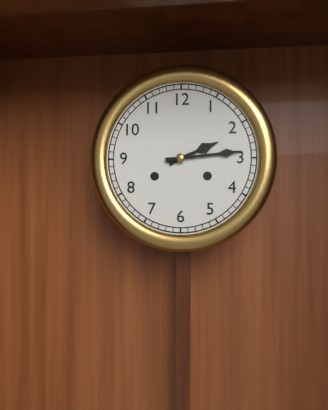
2:14
